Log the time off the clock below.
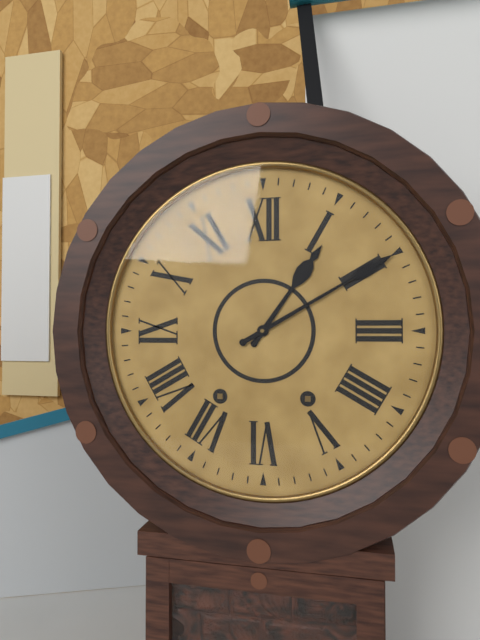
1:10
